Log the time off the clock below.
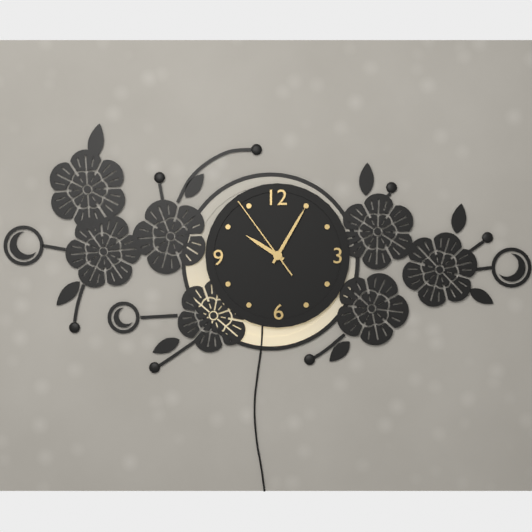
10:05:54
